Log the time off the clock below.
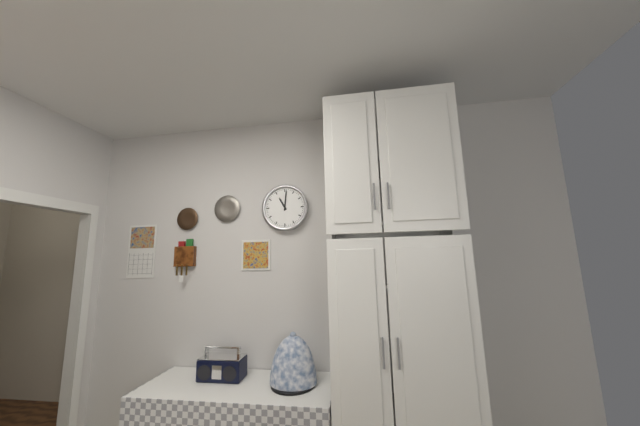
11:01
